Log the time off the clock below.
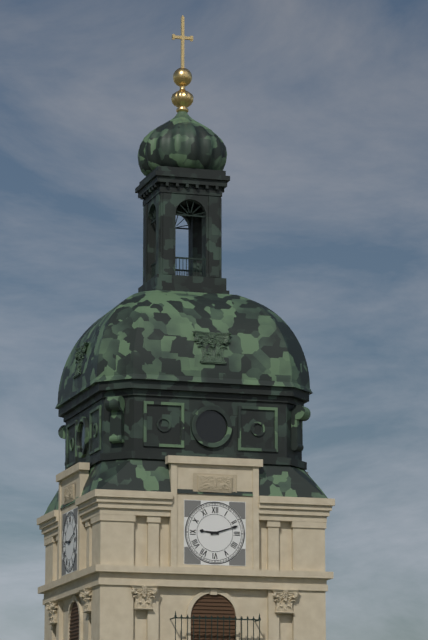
9:12
